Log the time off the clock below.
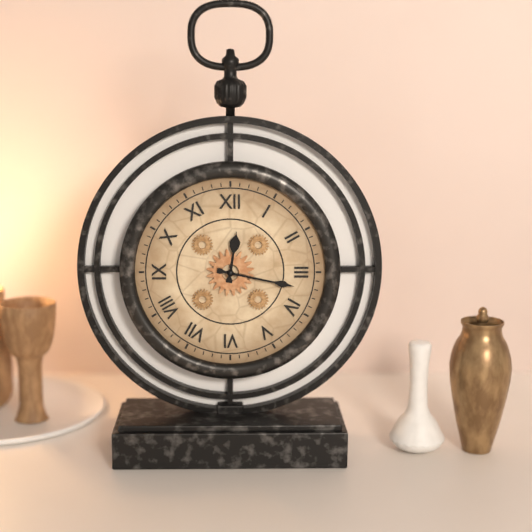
12:17
